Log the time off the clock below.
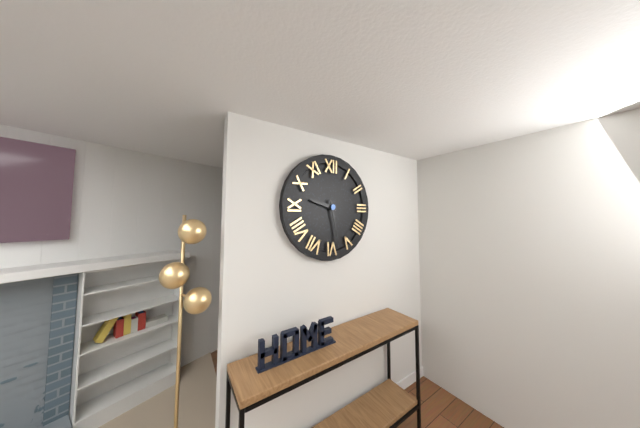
9:28
